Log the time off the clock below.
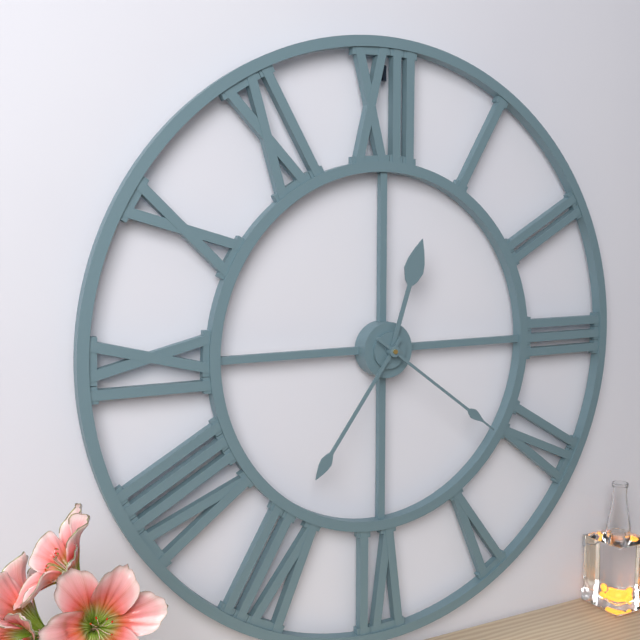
12:36:21
